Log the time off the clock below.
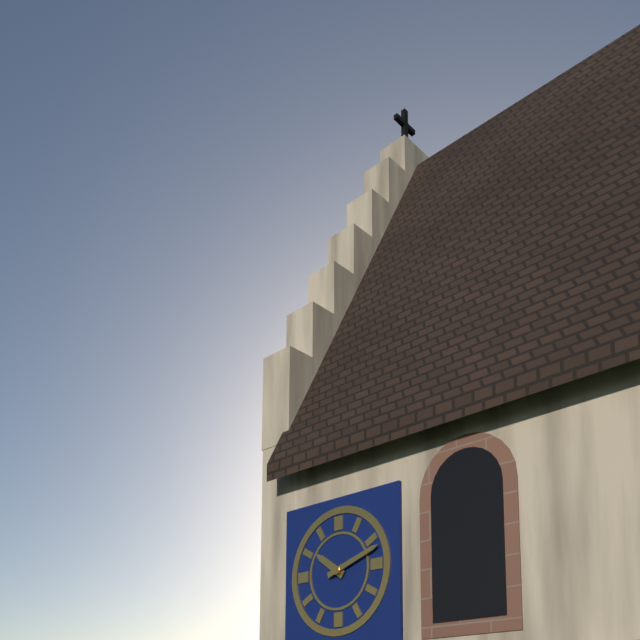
10:12
